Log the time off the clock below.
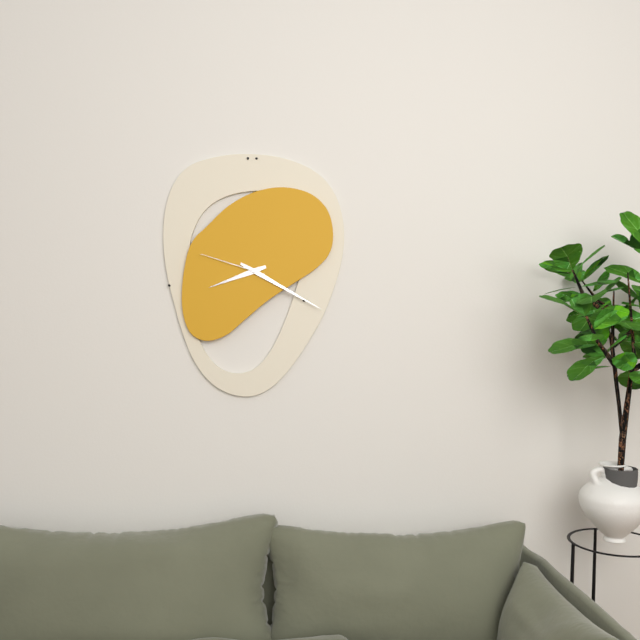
8:20:48
